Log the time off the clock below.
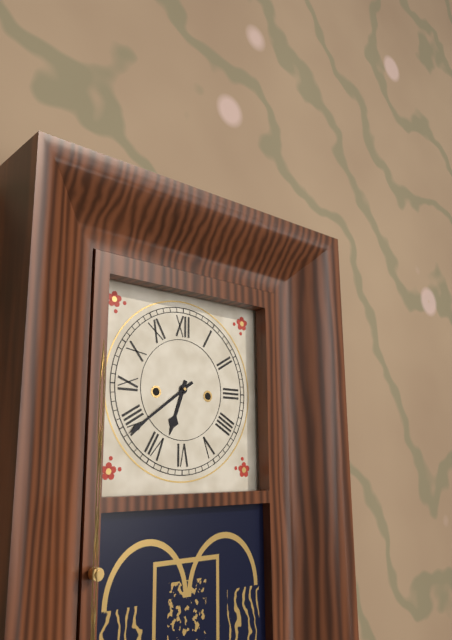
6:39
